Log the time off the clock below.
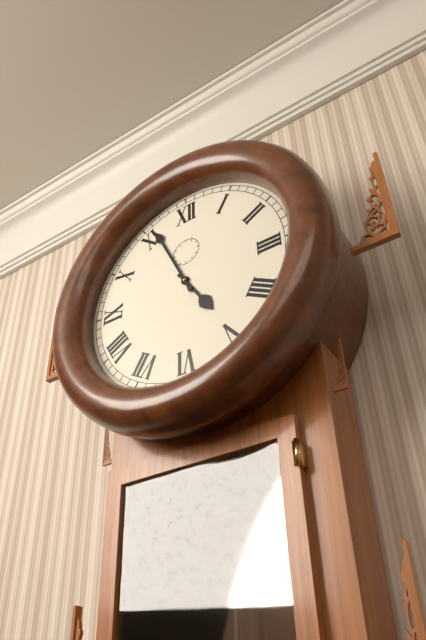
4:56
